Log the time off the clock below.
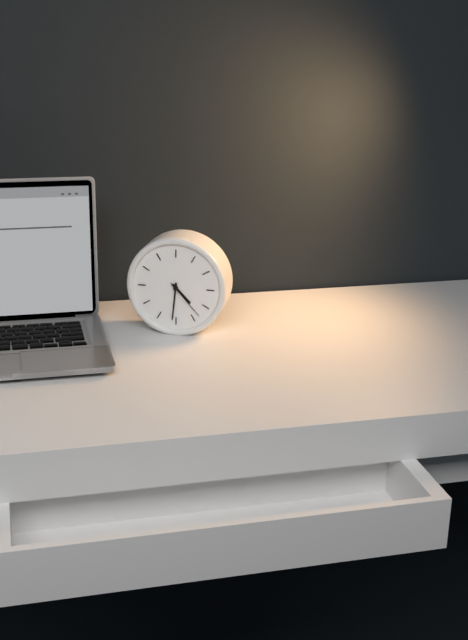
4:31
